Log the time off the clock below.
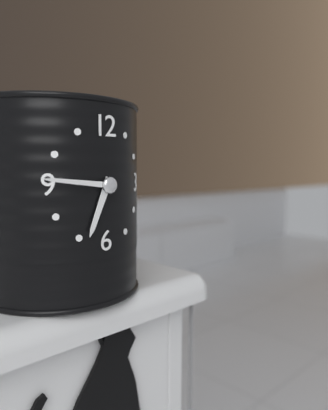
6:46
